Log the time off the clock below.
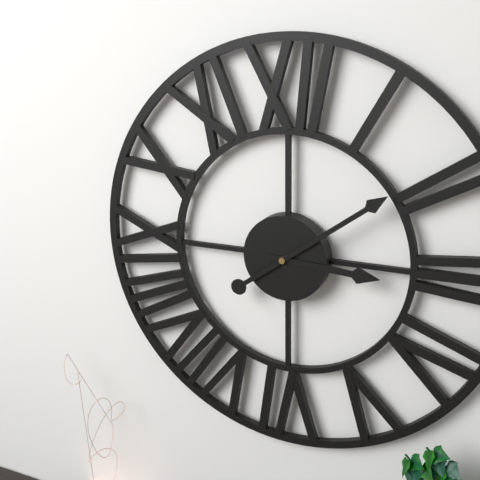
3:09
